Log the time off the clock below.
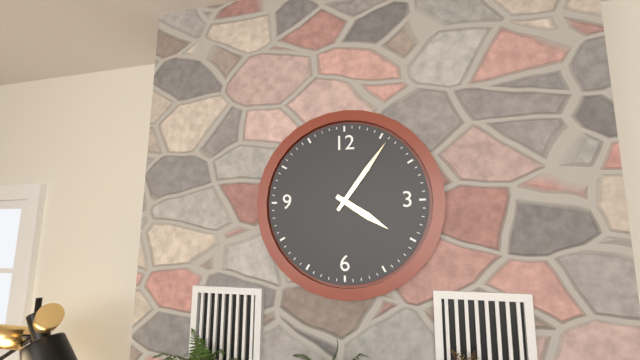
4:06
